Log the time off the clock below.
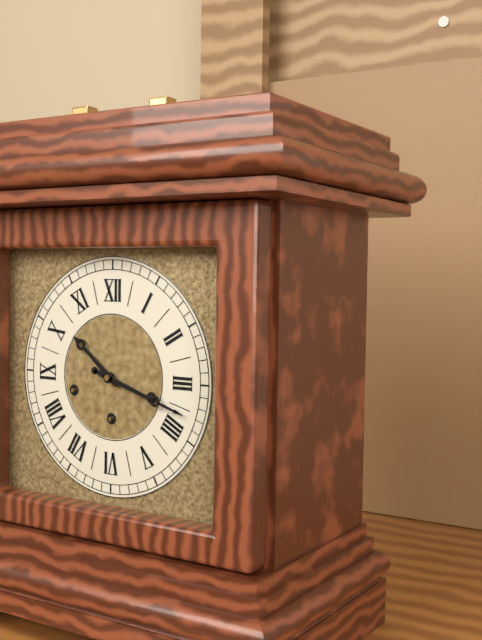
10:18
